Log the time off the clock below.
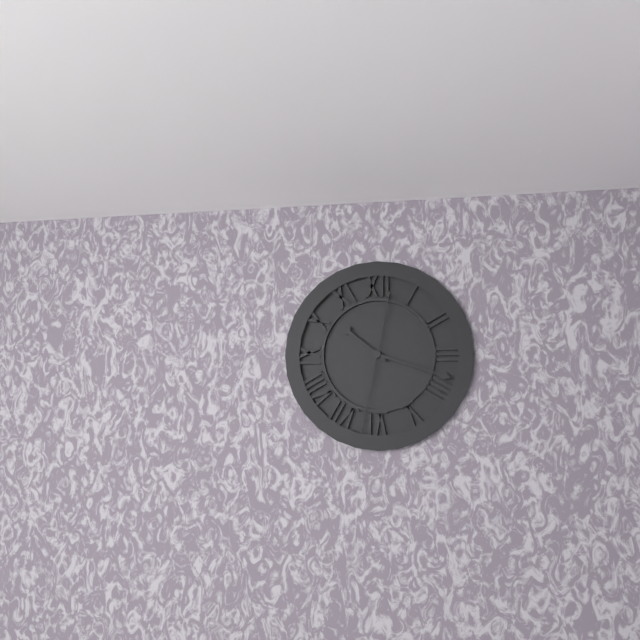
10:18:32
